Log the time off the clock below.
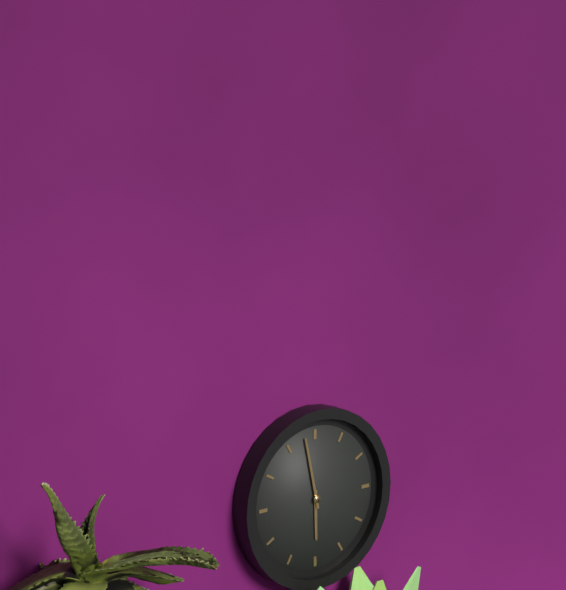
5:58
